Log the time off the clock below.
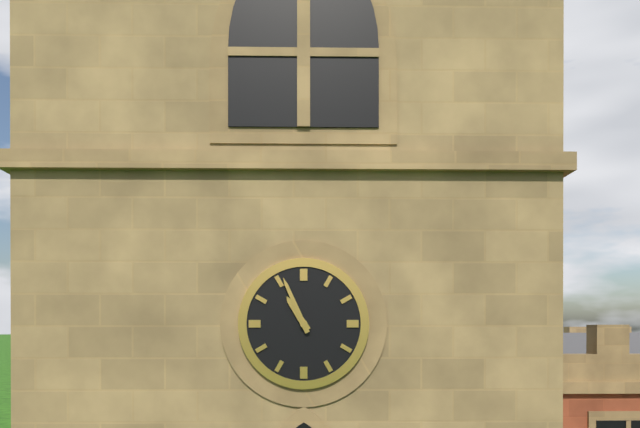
10:56
